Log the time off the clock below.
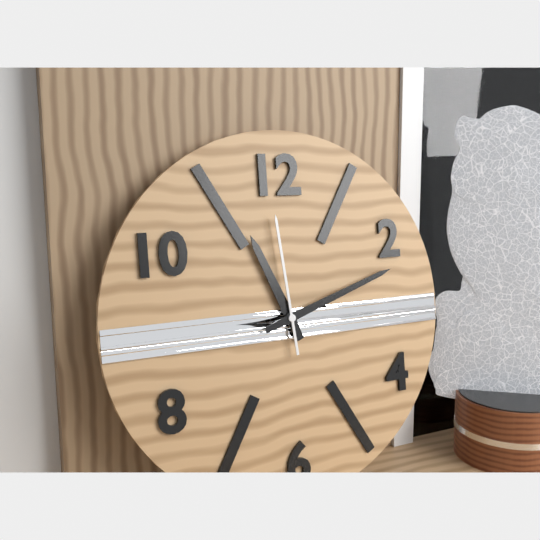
11:12:59
